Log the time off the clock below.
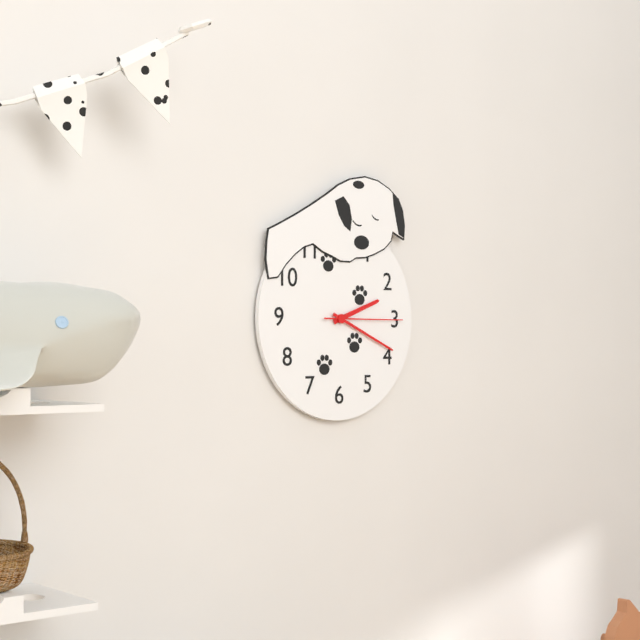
2:19:15
